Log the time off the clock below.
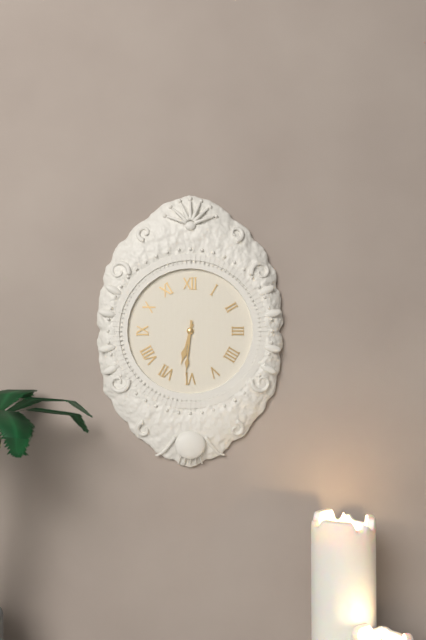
6:31
